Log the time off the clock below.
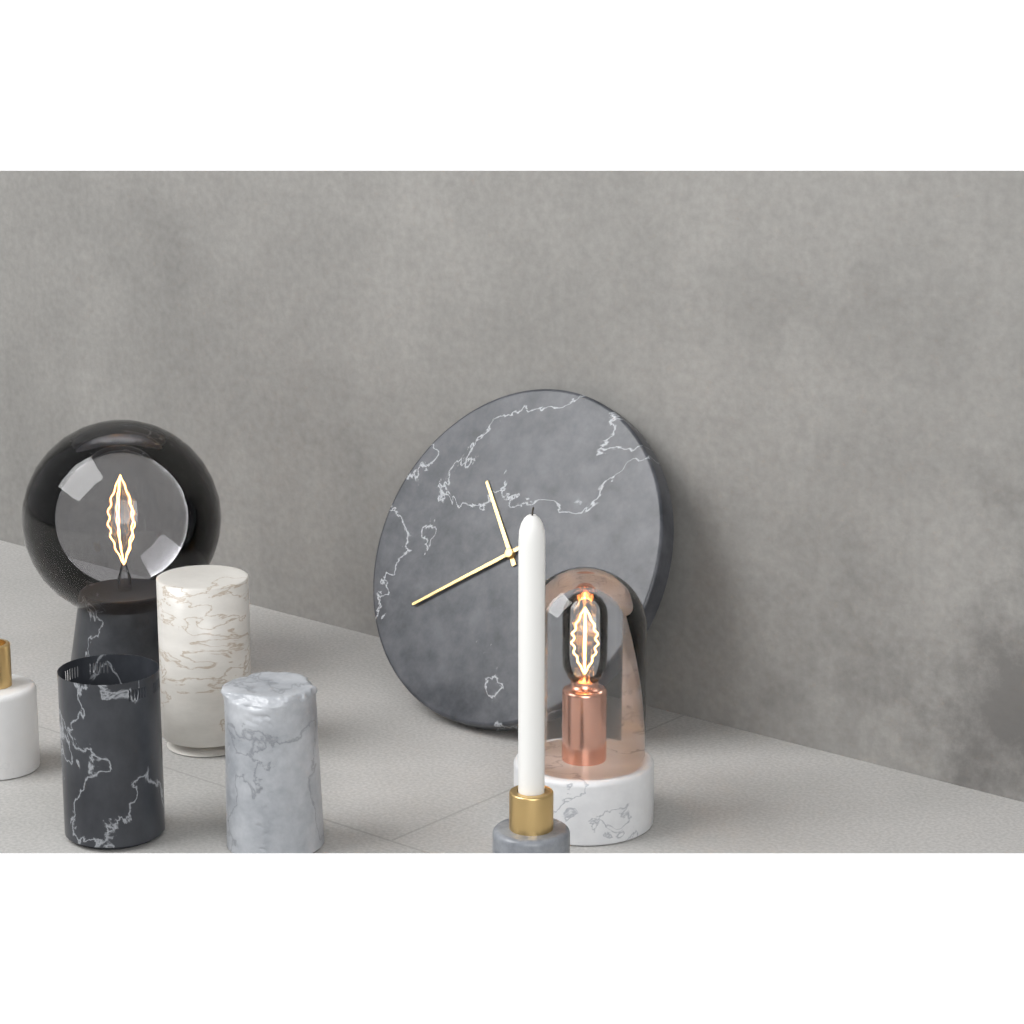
10:39
